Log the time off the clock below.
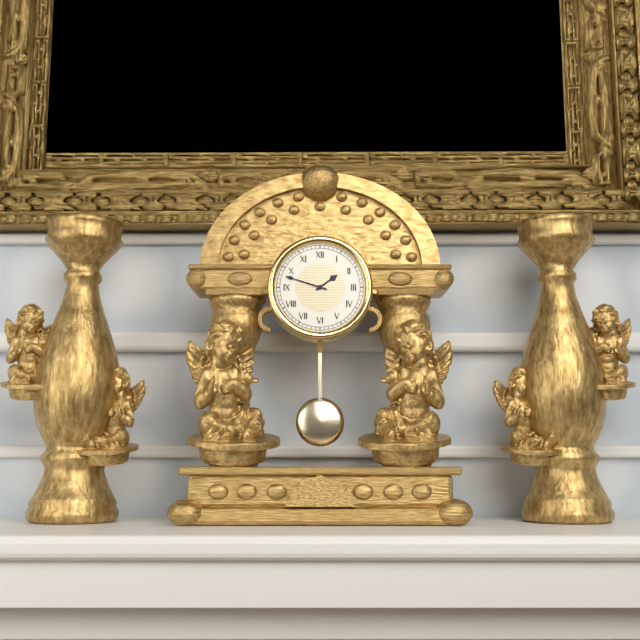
1:48
